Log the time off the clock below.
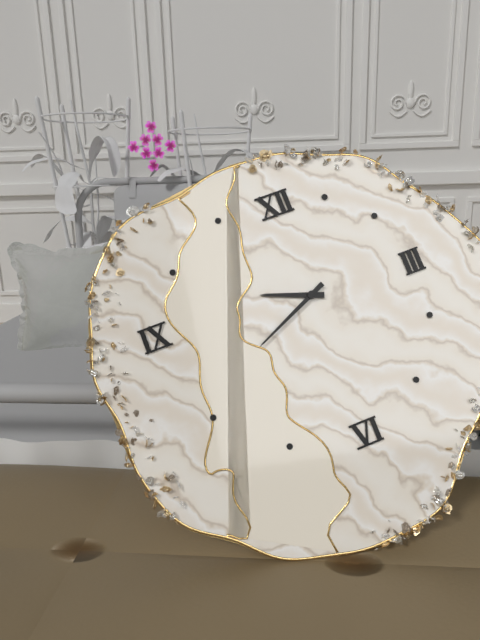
9:41
